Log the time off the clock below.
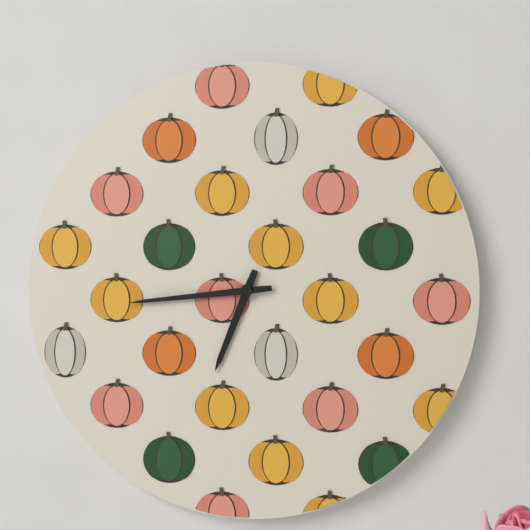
6:44
